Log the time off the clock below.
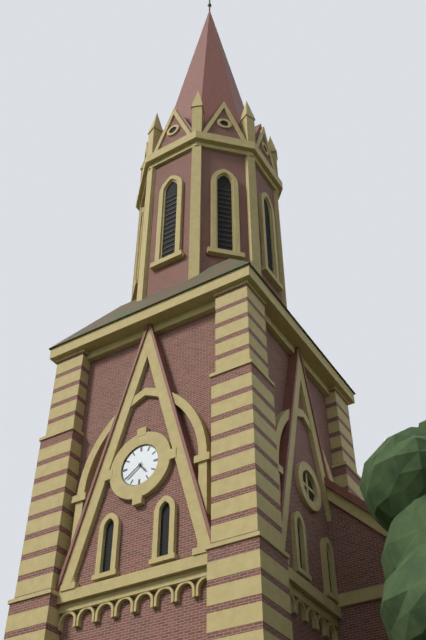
4:39
